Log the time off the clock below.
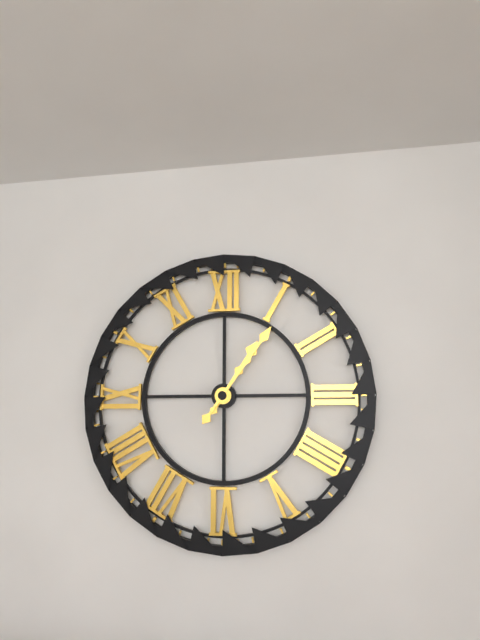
1:06
